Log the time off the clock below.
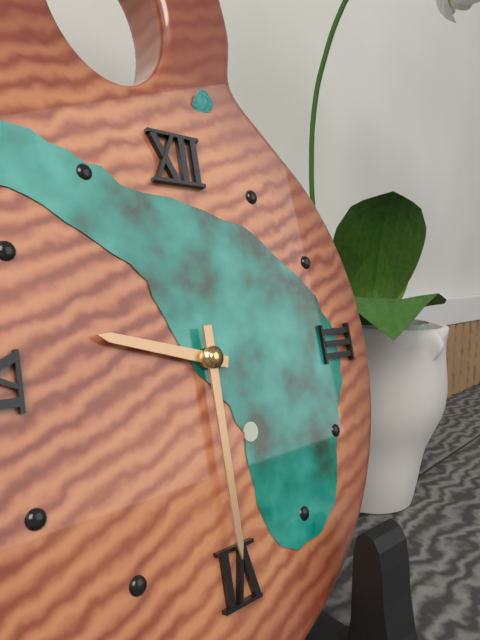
9:30
